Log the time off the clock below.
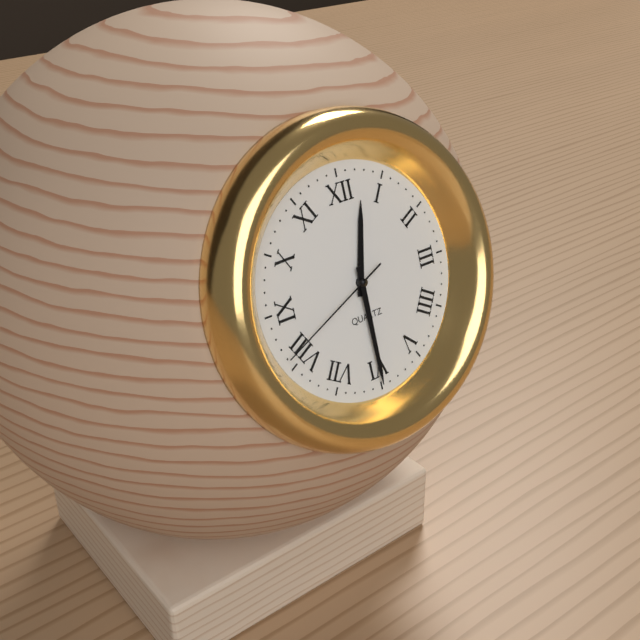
12:30:41
